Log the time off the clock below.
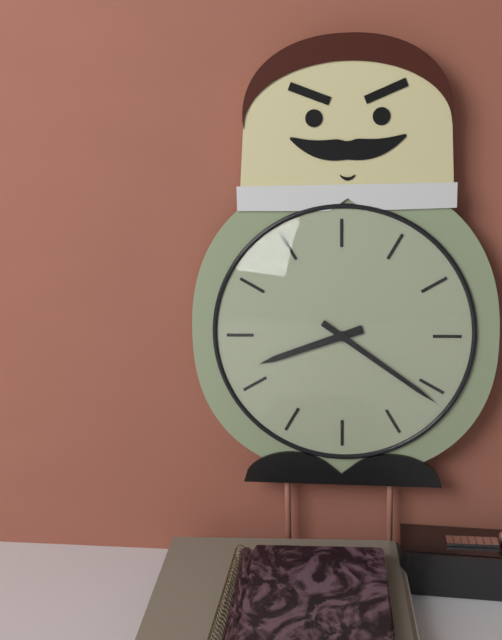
8:21
